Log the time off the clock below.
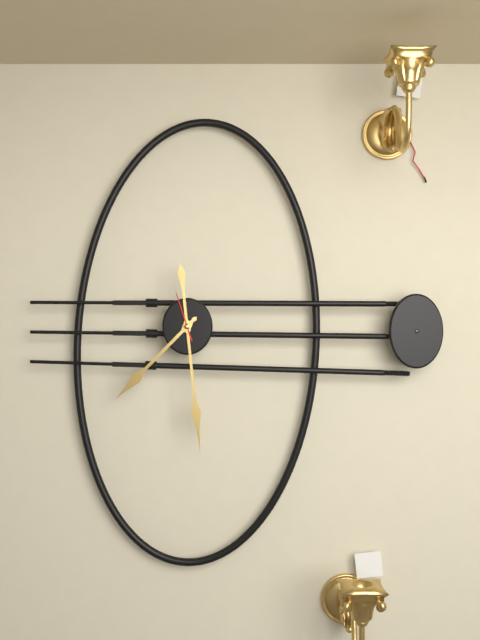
7:29
